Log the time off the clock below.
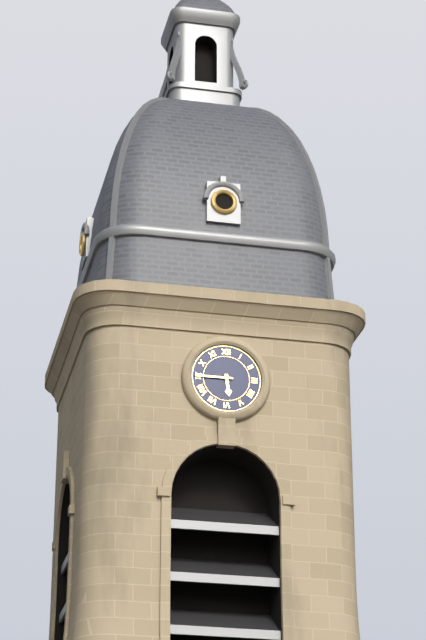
5:45
